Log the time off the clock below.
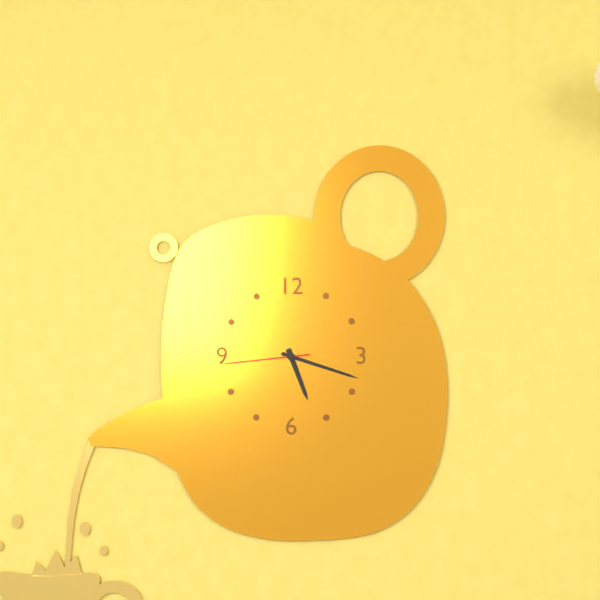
5:18:44
